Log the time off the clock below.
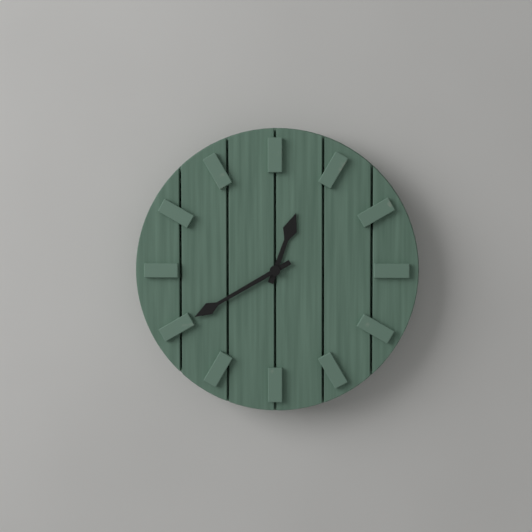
12:40
